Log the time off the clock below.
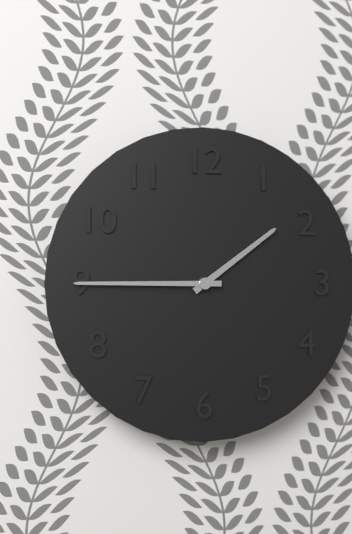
1:45
